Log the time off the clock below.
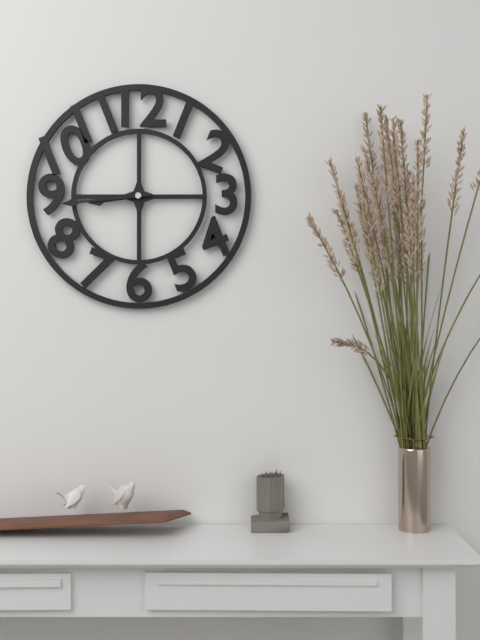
8:44
